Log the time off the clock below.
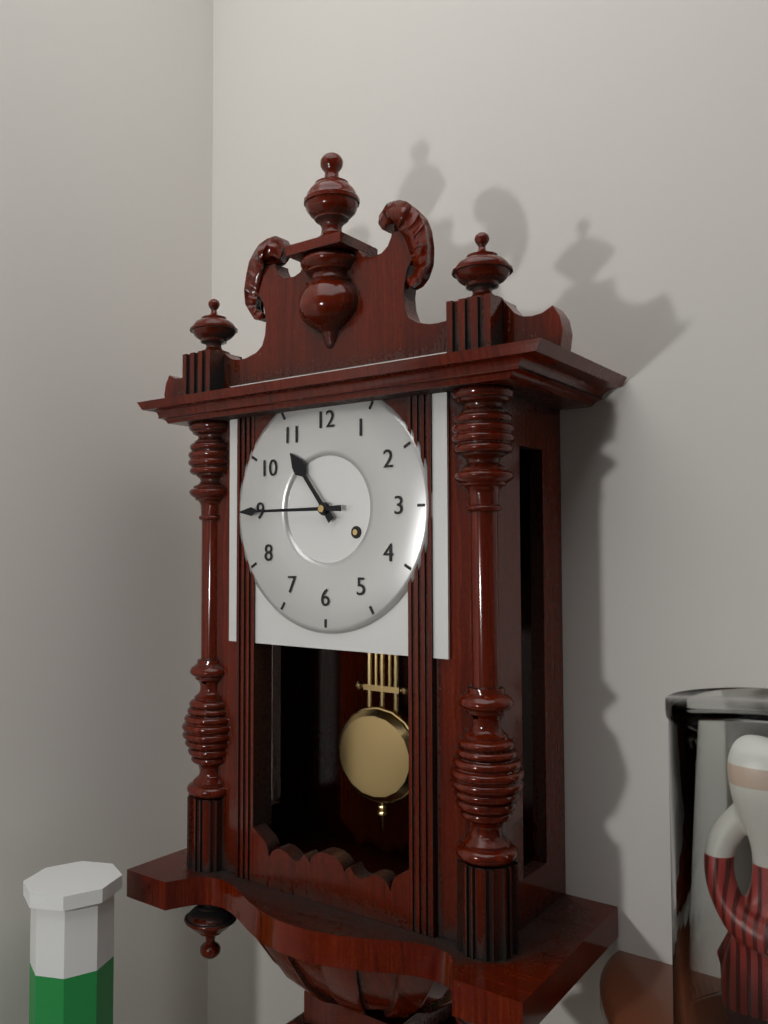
10:45
